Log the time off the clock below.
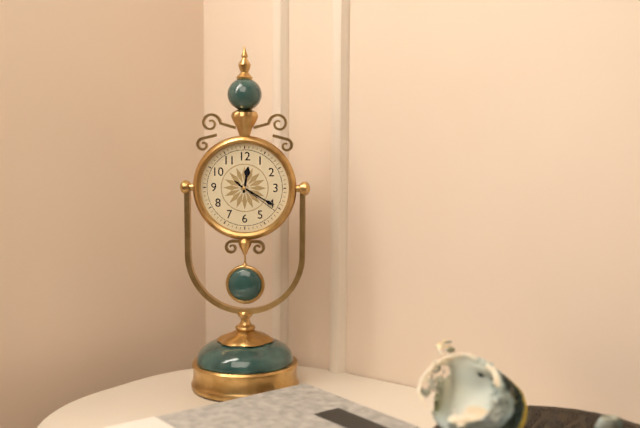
12:20
